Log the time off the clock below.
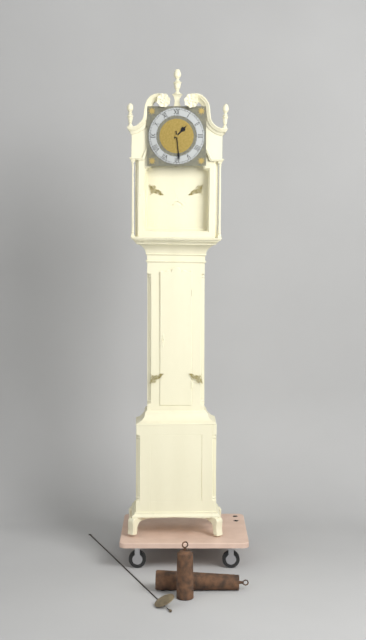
1:29
